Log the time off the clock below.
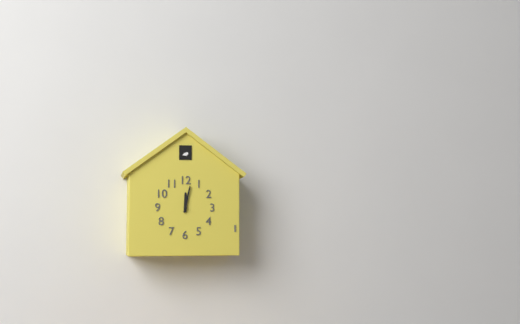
12:02
